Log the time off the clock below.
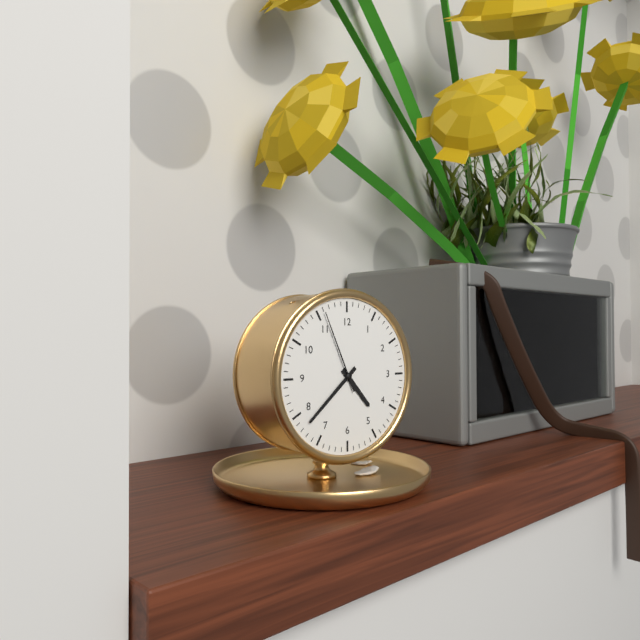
4:38:56
